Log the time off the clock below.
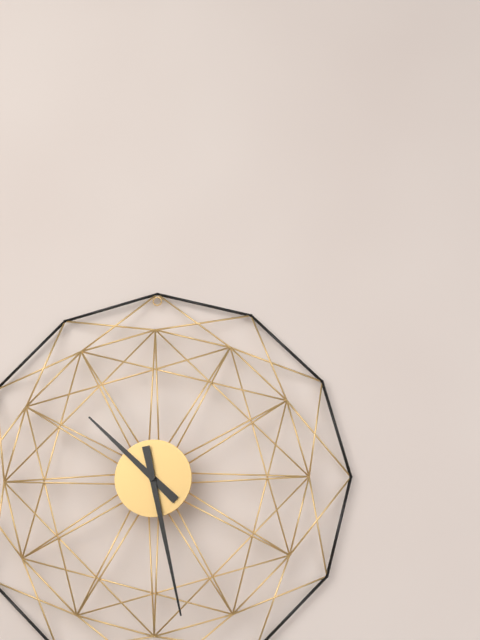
10:28
